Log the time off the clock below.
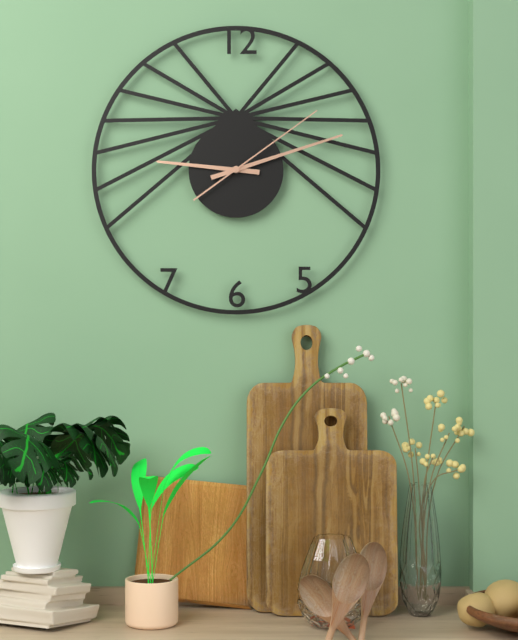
9:12:09
